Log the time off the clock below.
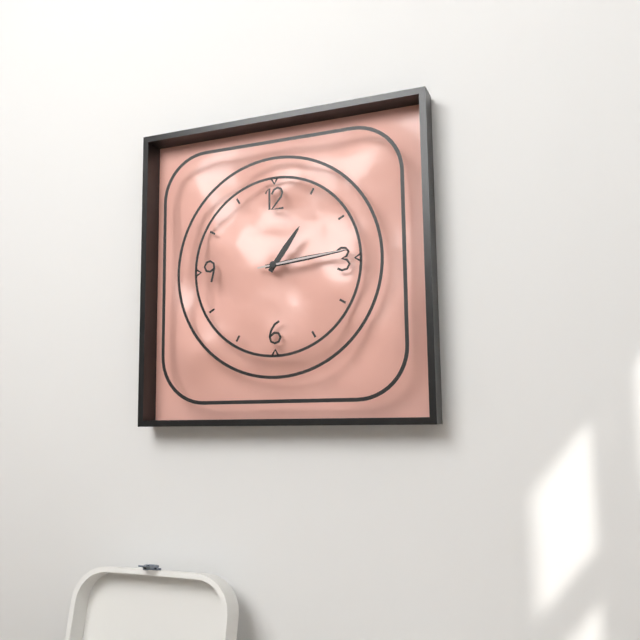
1:14:14
